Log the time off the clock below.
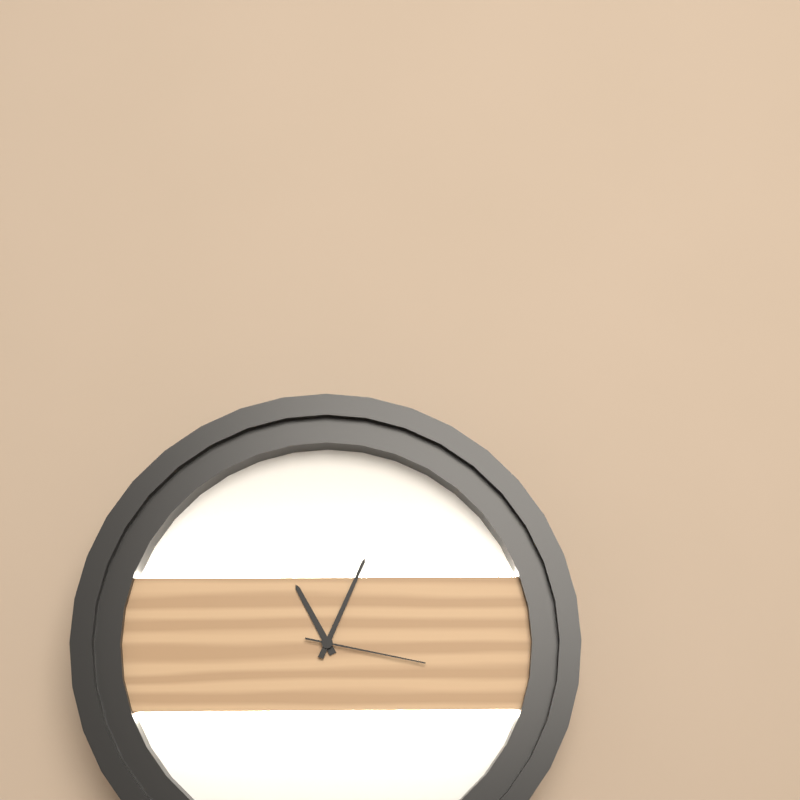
11:04:17
